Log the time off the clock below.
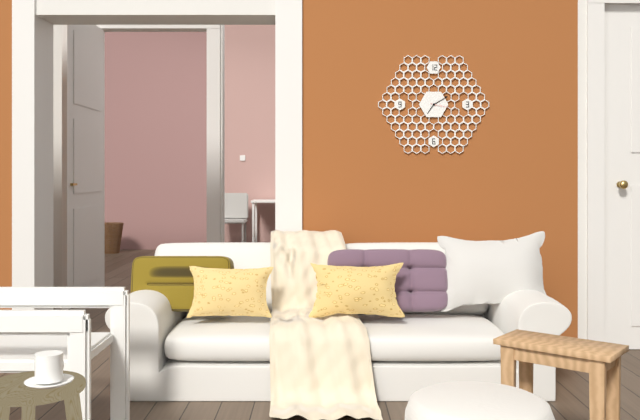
7:10
